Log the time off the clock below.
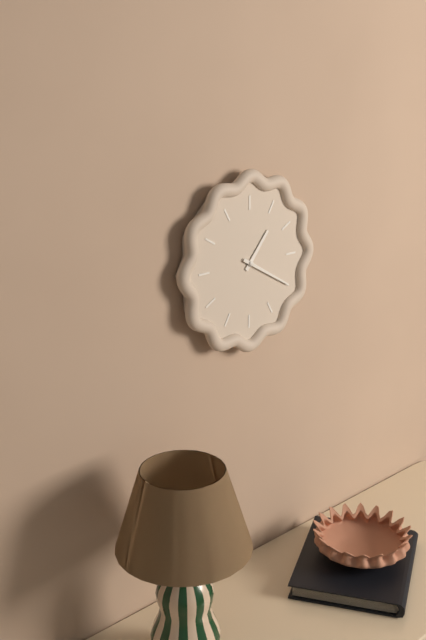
1:20
